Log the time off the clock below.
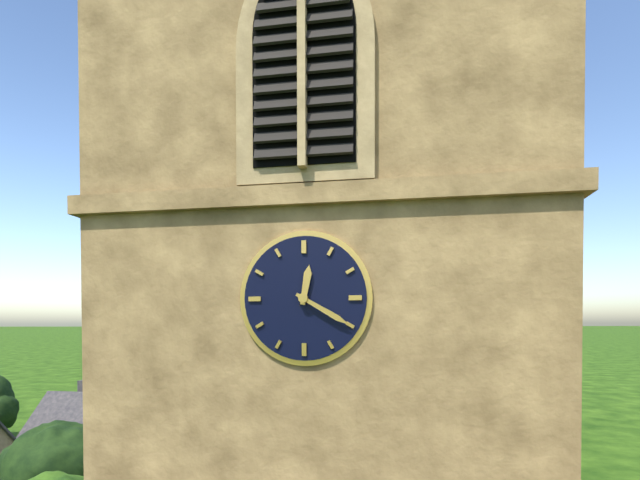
12:20
